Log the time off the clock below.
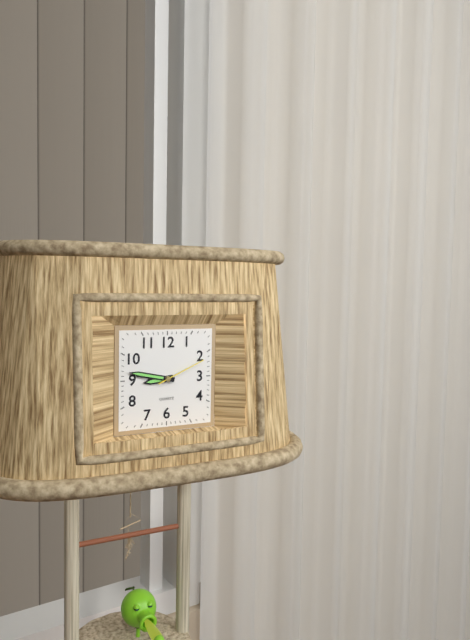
8:47:11
